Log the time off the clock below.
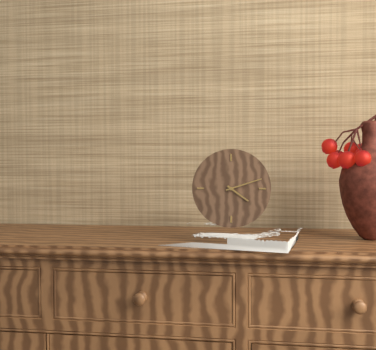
4:12
